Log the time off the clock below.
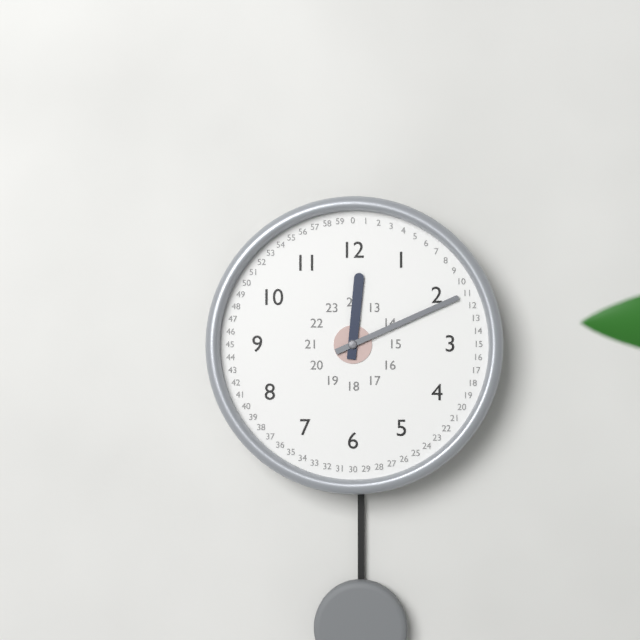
12:11
